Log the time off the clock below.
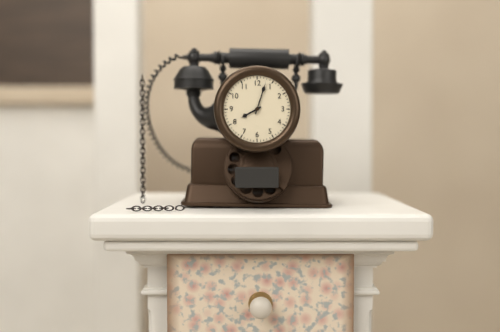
8:03
